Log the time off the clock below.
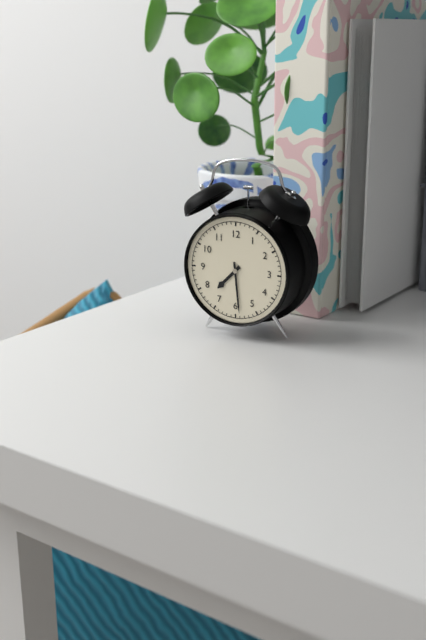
7:29
